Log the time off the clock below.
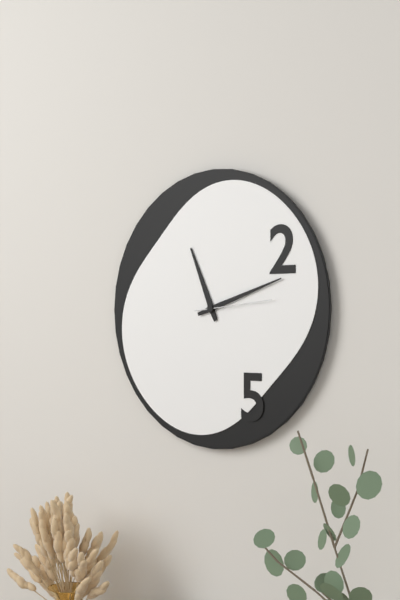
11:12:14
